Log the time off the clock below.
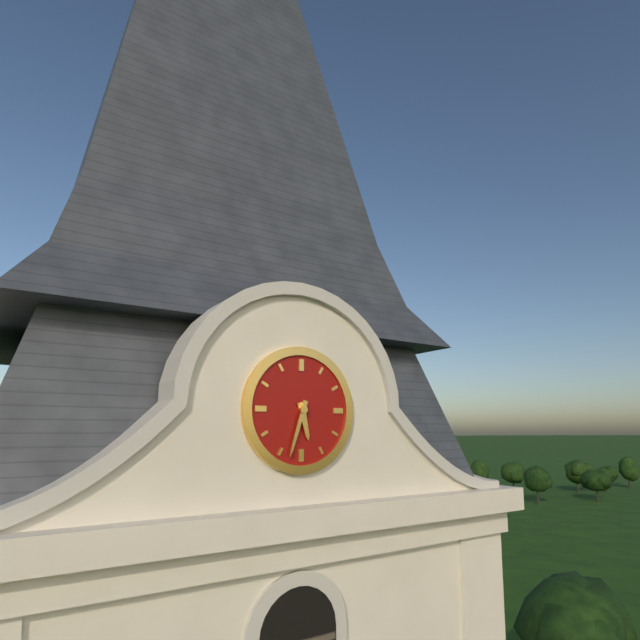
5:33
